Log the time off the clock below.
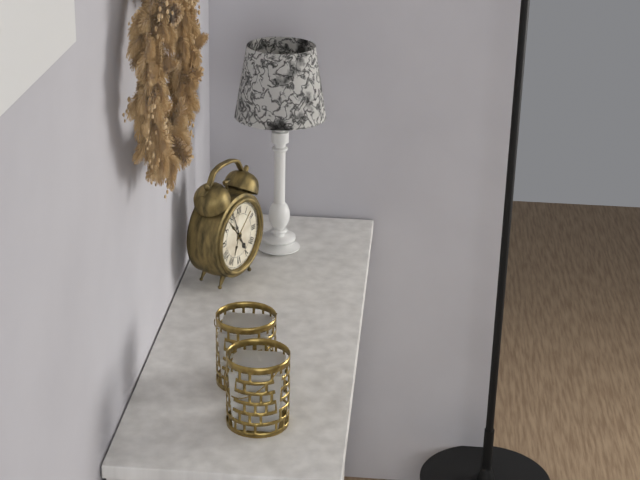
4:56
